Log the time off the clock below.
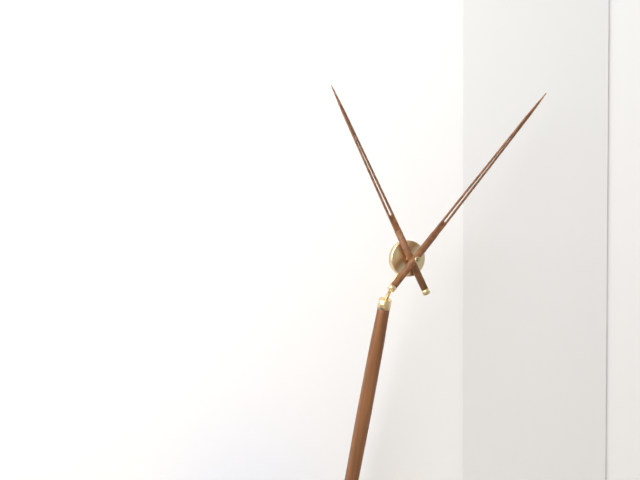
11:07
